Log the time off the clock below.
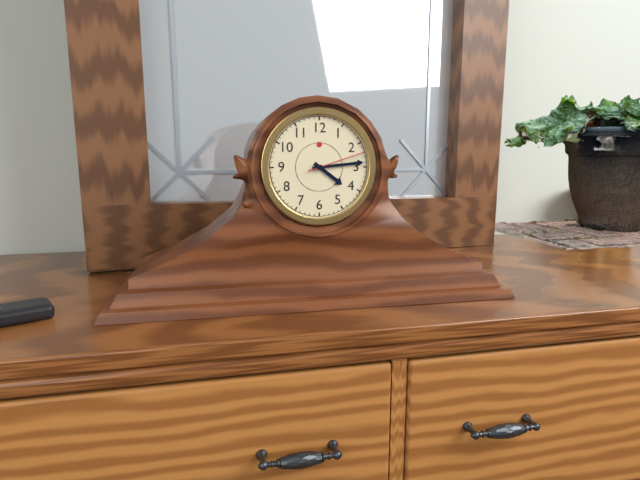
4:14:12
